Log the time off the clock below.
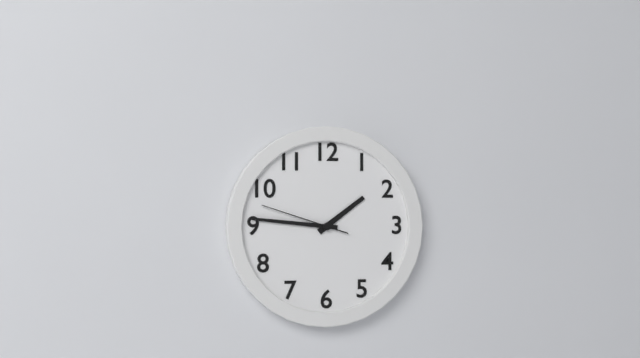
1:46:48
